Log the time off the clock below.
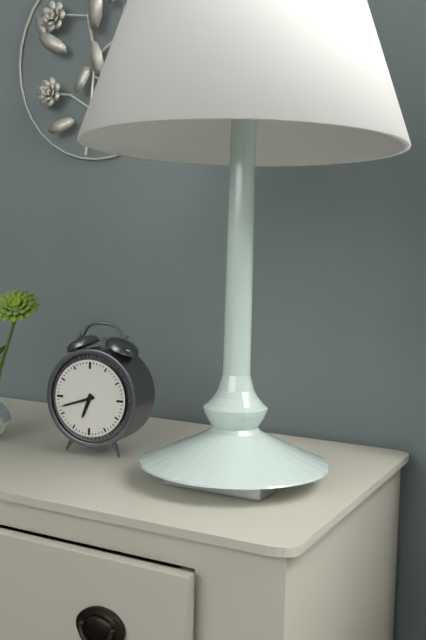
6:42
